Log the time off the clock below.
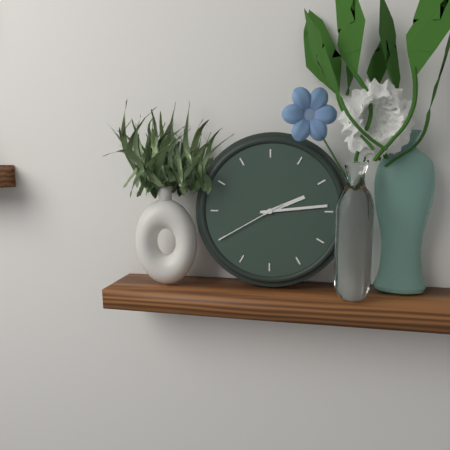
2:14:40
